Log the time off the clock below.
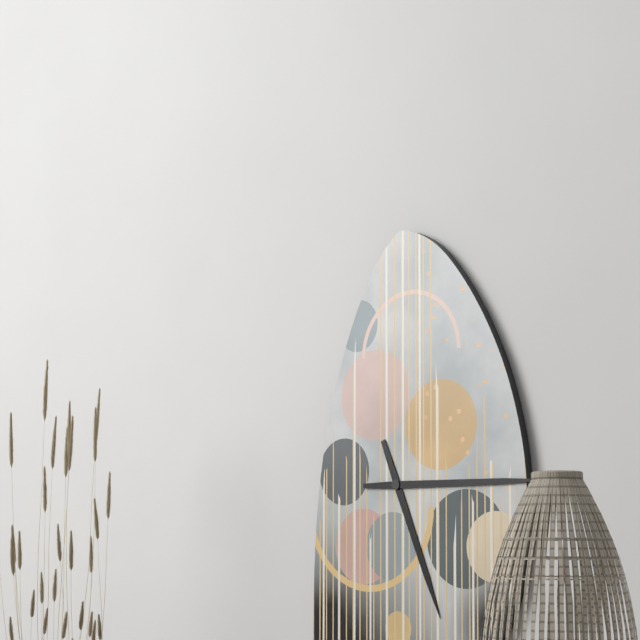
5:15
